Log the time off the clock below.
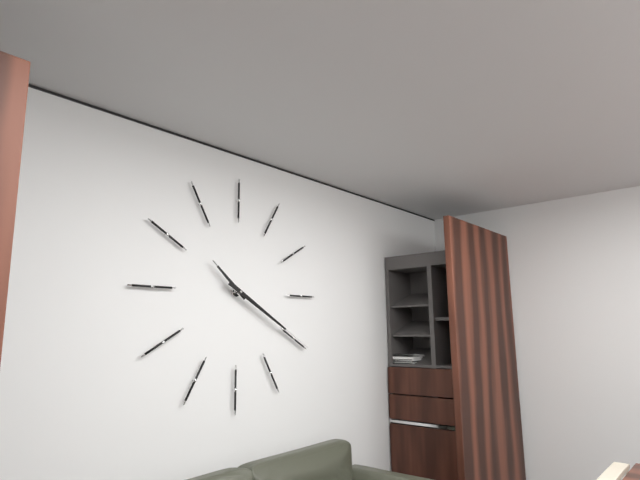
10:20
